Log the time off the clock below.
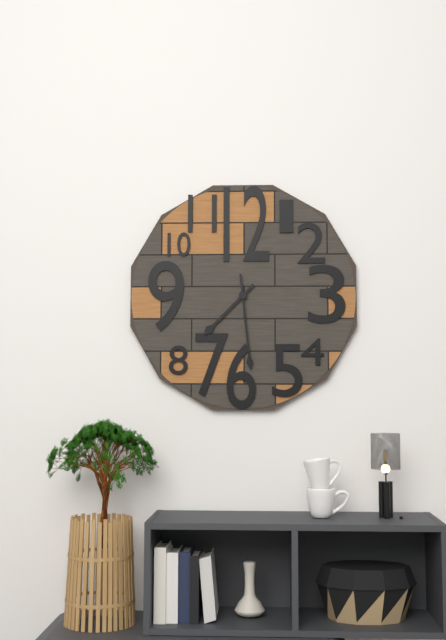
7:29
